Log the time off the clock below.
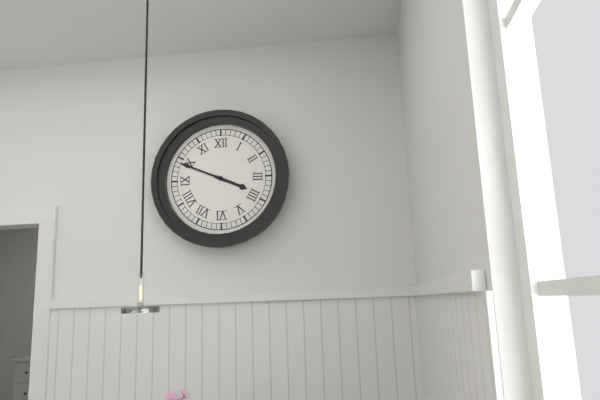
3:49
